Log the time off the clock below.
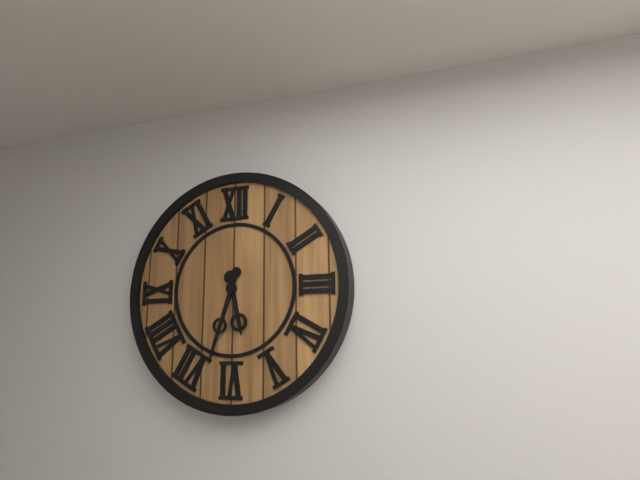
5:33
